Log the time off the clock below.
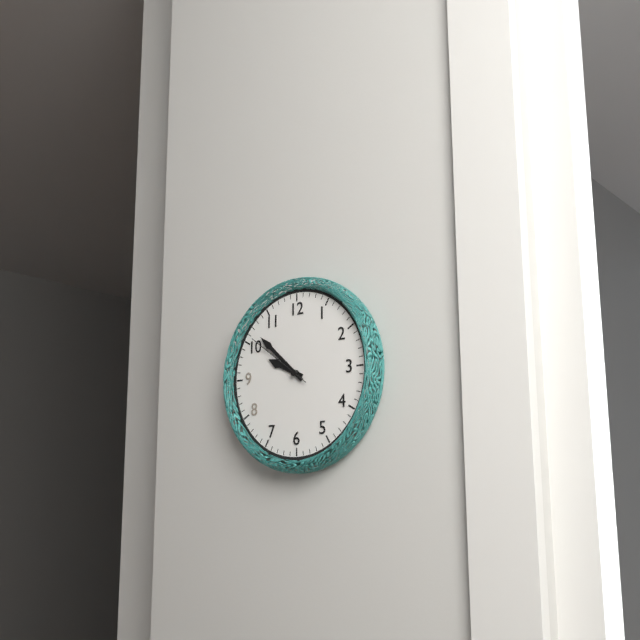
9:52:51
